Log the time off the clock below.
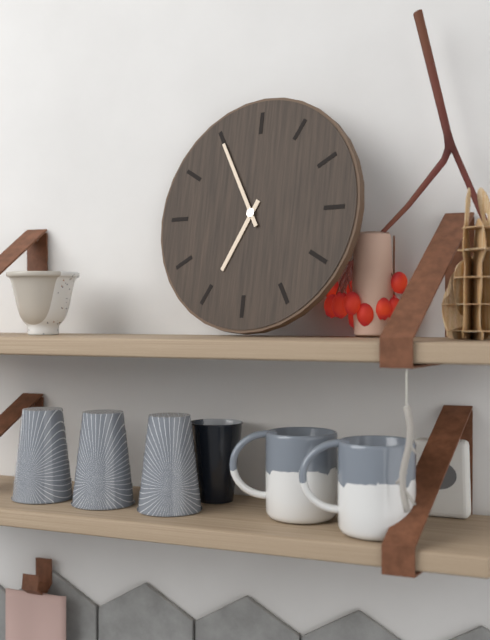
6:55
